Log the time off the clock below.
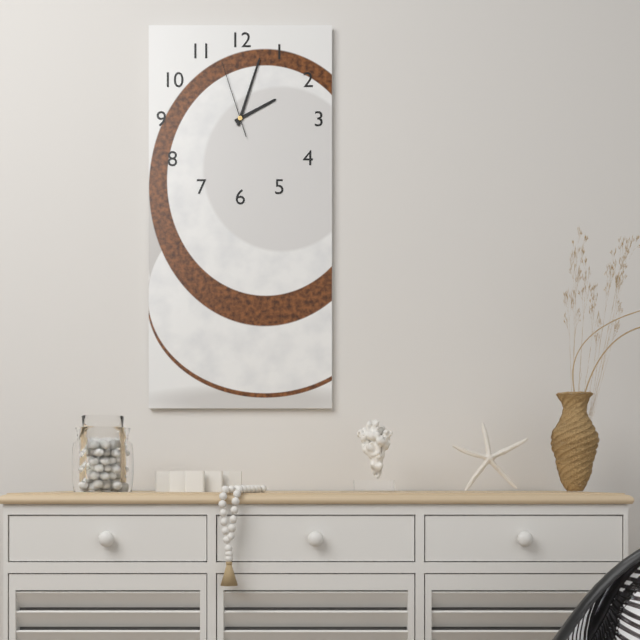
2:03:57
